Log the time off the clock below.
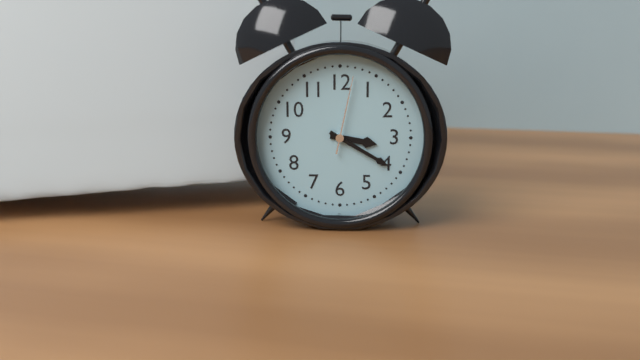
3:20:02
